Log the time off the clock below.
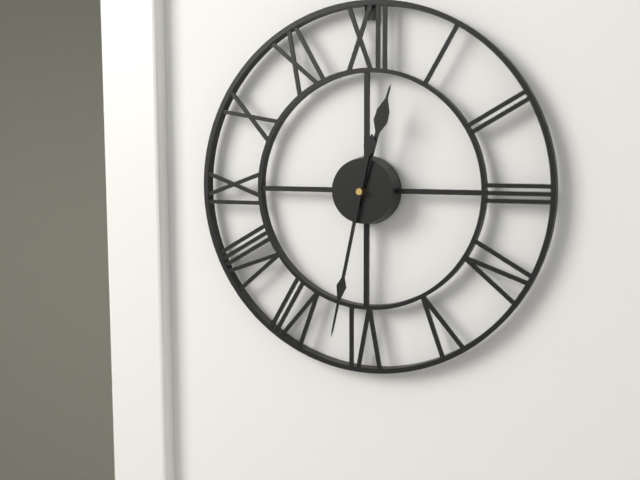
12:32
